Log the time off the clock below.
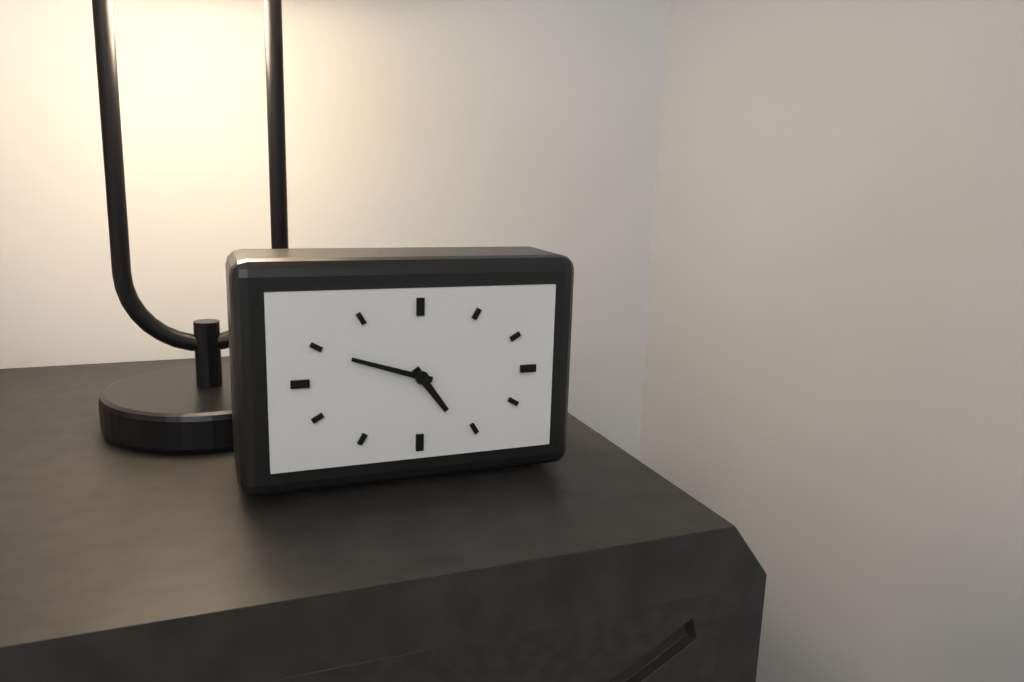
4:48
